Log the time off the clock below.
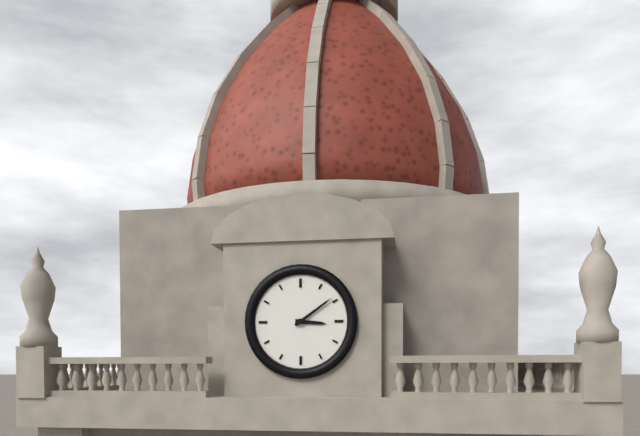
3:09
